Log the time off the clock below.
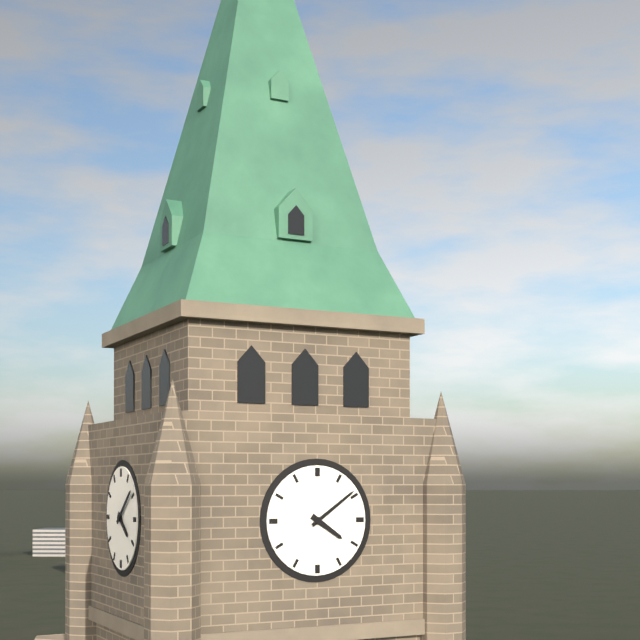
4:09
